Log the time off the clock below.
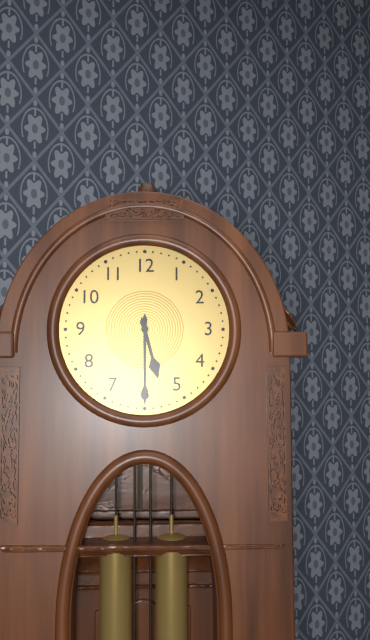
5:30
